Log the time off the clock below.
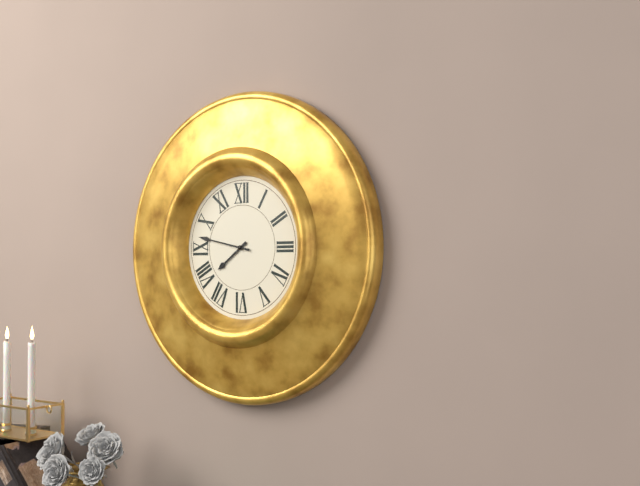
7:47
